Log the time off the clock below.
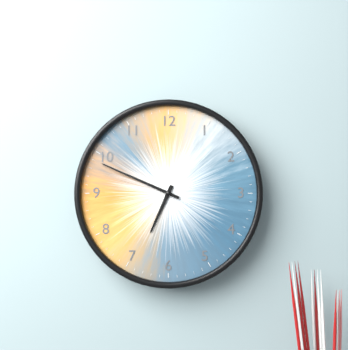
6:49
